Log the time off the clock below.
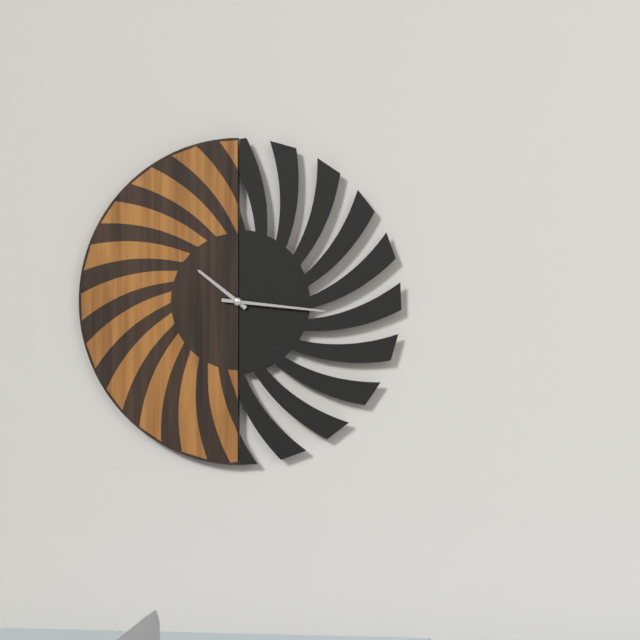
10:16
